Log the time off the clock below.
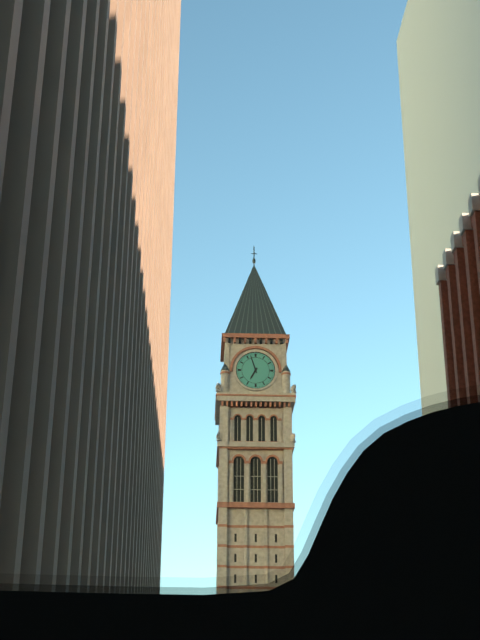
6:57
